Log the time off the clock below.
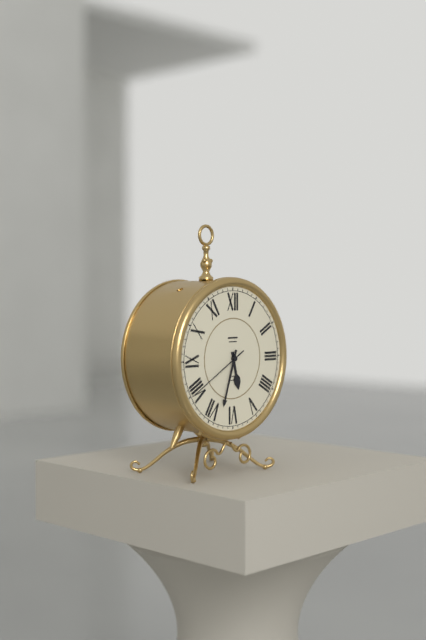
5:33:40
